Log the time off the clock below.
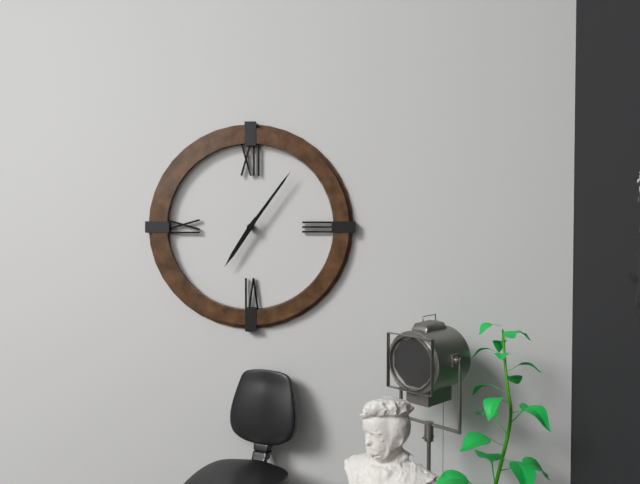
7:06
